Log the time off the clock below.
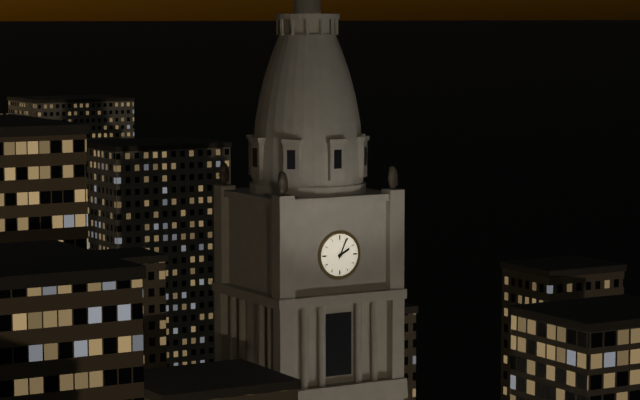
2:04
